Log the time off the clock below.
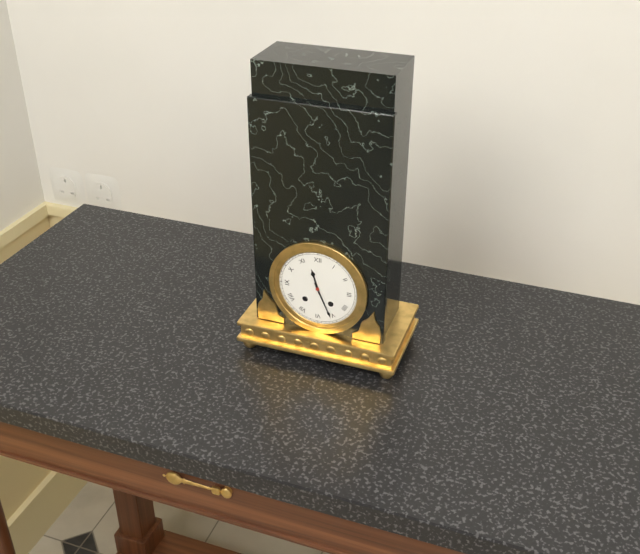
11:26
